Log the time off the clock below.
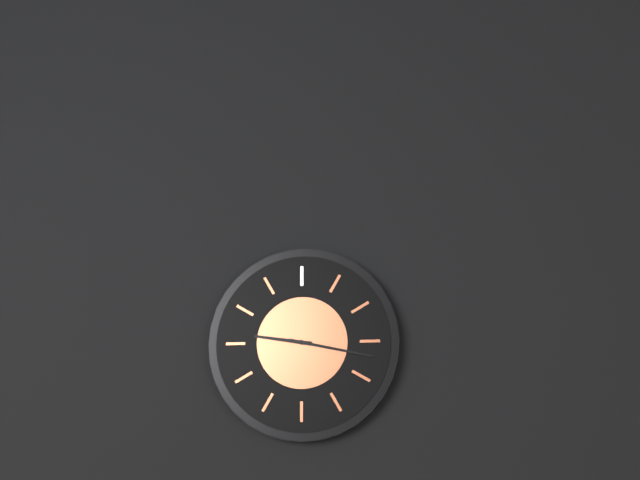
9:17
